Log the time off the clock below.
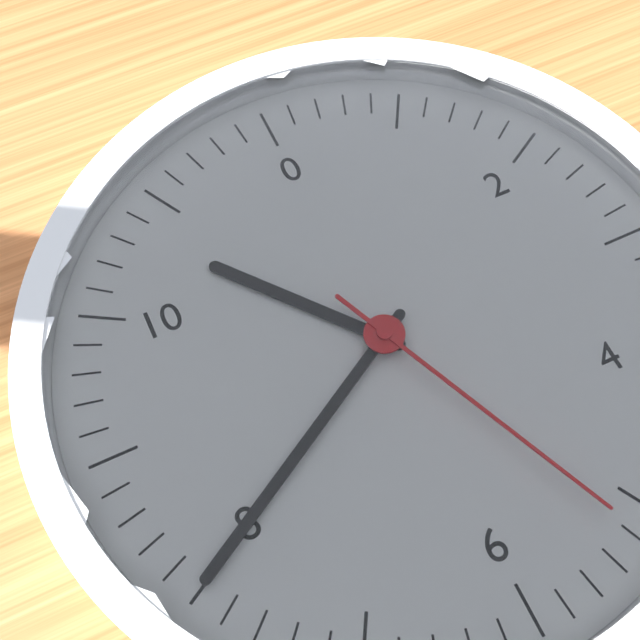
10:40:26
